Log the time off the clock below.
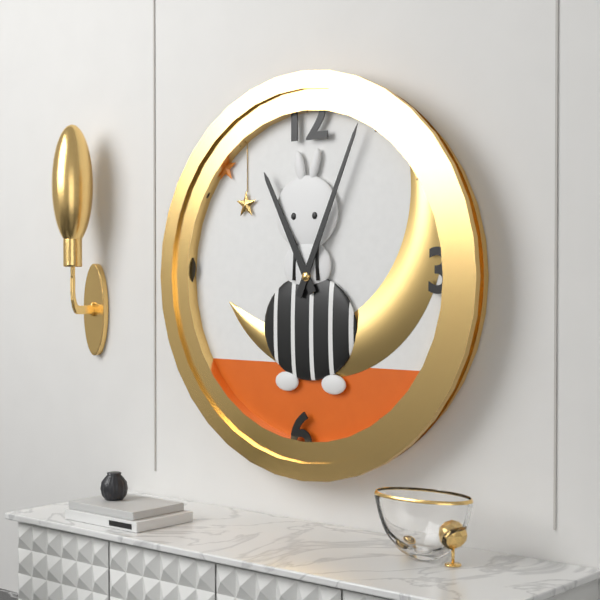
11:04
